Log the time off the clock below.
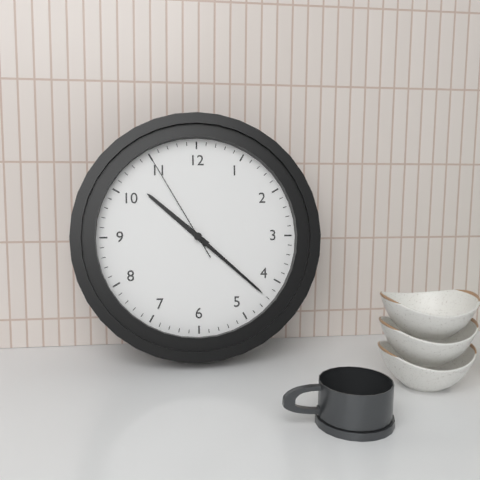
10:22:55
